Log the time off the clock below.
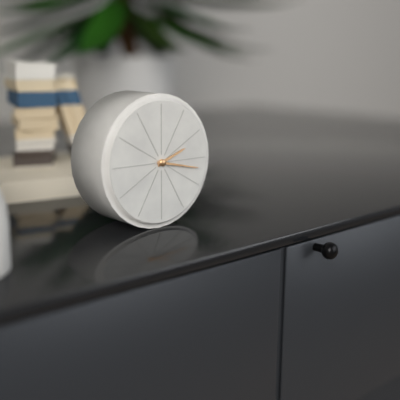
2:17
